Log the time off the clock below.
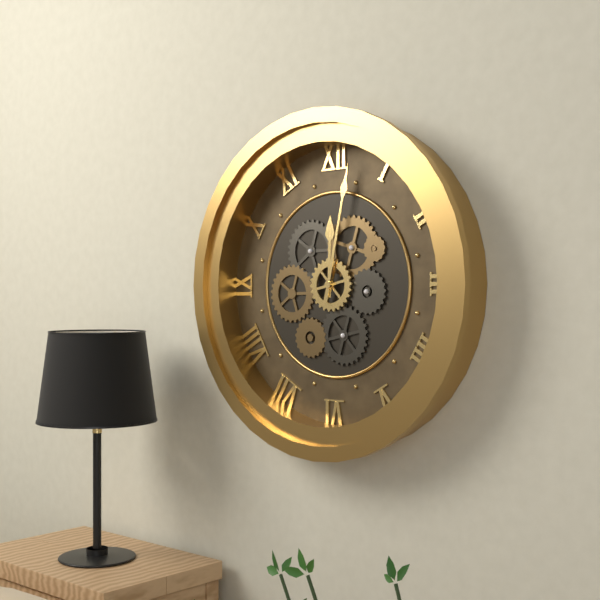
12:02
